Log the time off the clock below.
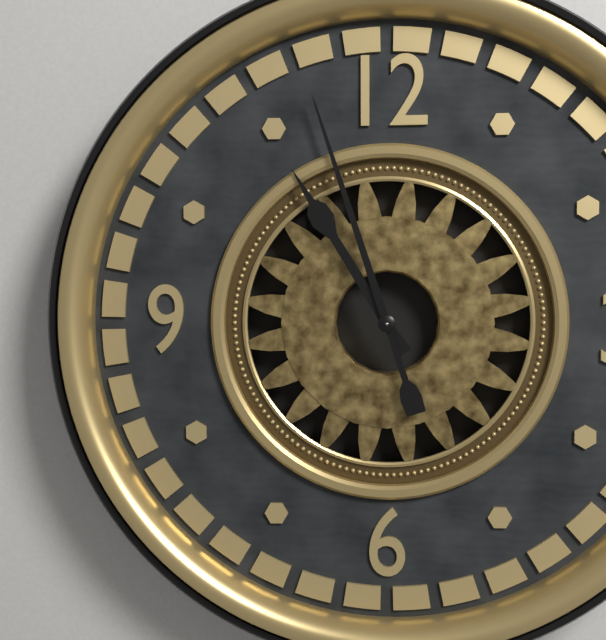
10:57
